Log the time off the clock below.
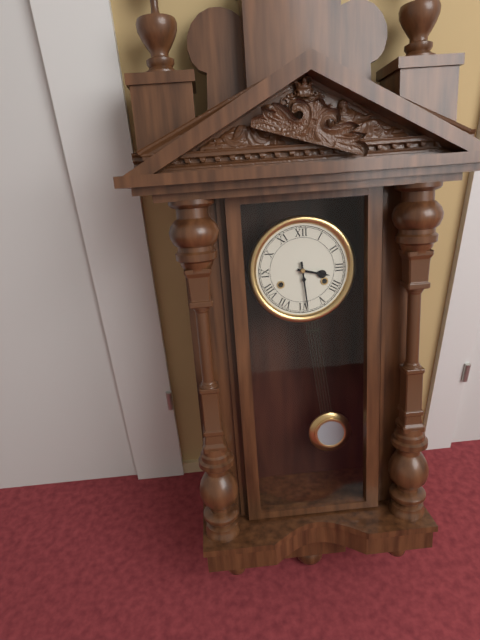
3:29
